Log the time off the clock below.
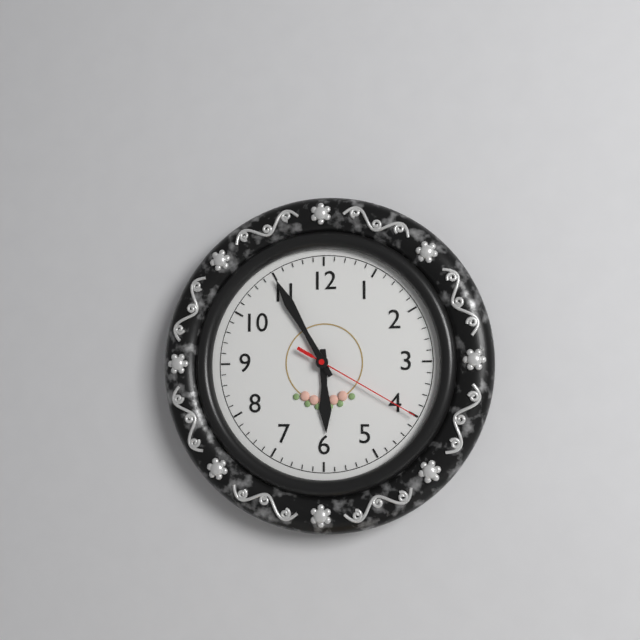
5:55:20
